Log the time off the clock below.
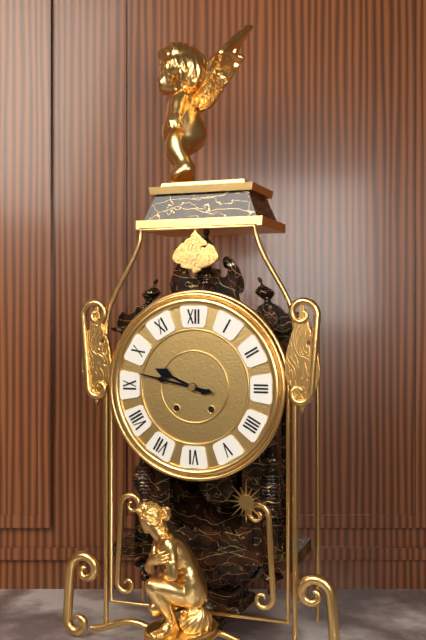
9:47
